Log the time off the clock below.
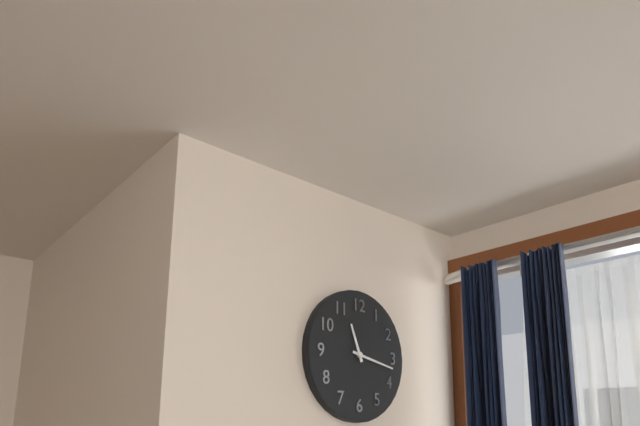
11:17
